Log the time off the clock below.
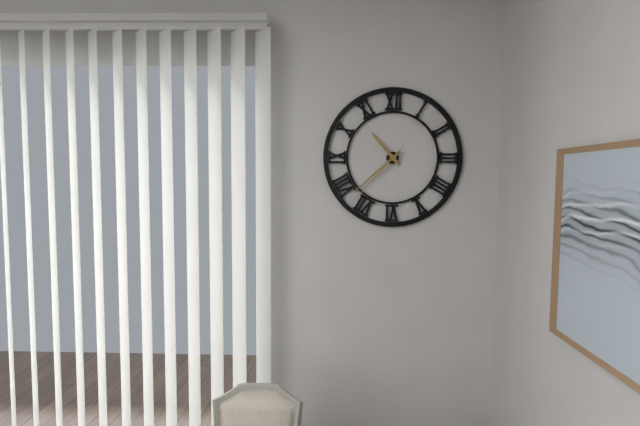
10:38:37
